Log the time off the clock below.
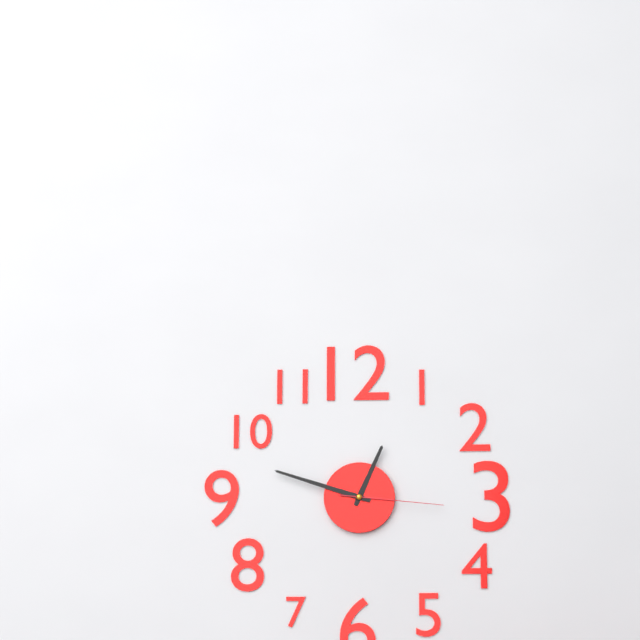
12:48:16
